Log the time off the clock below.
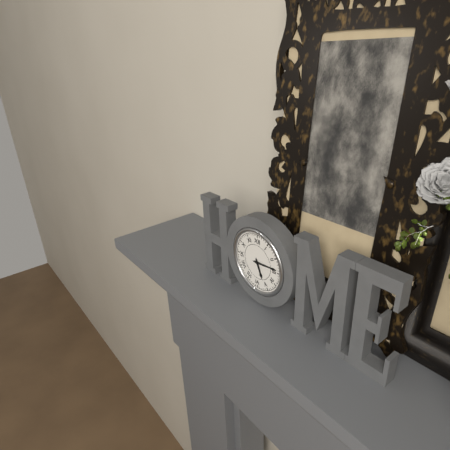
5:14
